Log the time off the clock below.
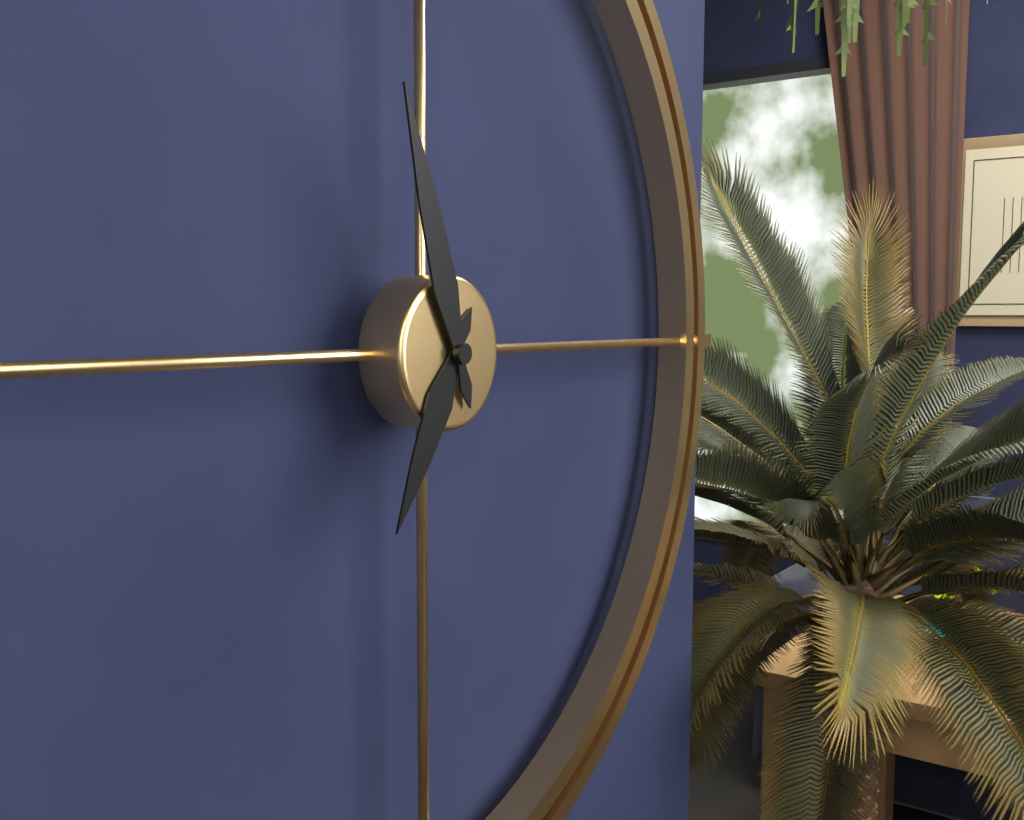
6:57
